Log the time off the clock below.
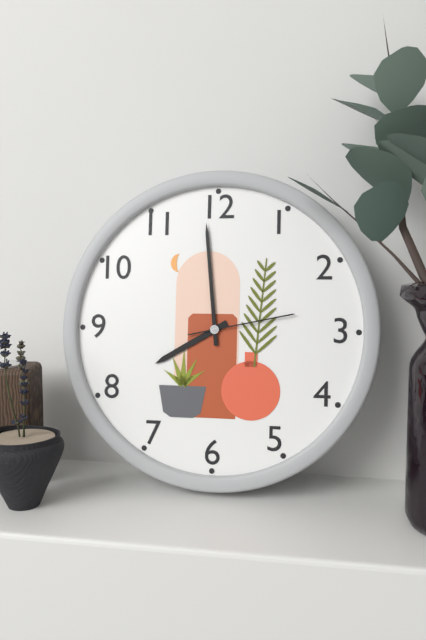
7:59:13
